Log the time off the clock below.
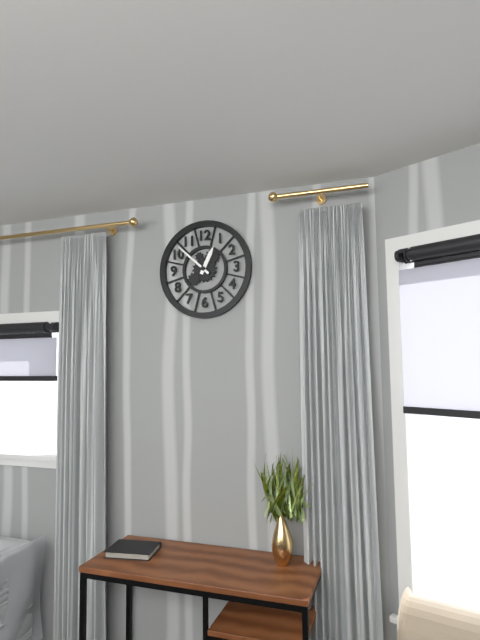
12:52
